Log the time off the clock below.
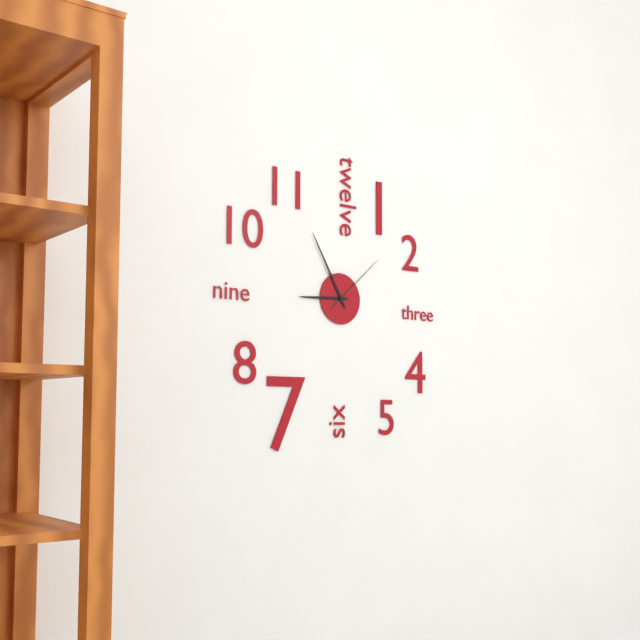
8:55:08
